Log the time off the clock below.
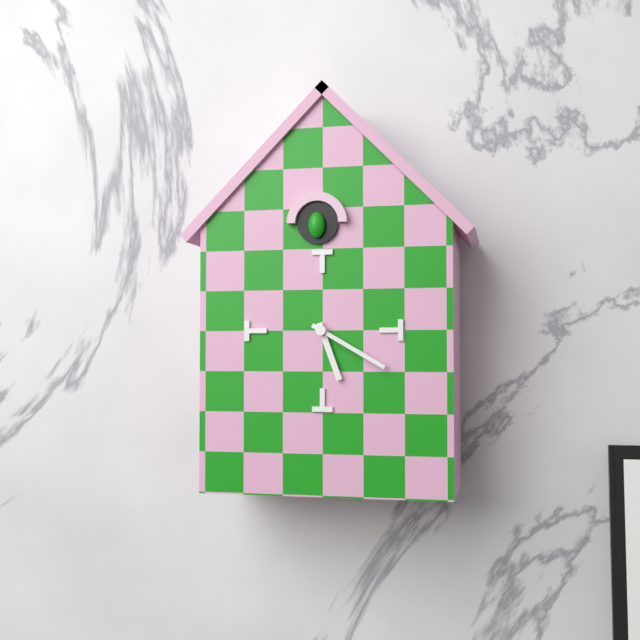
5:20
